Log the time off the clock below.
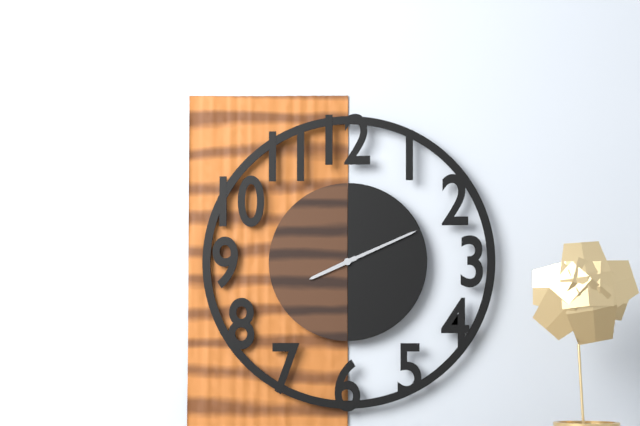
8:11
